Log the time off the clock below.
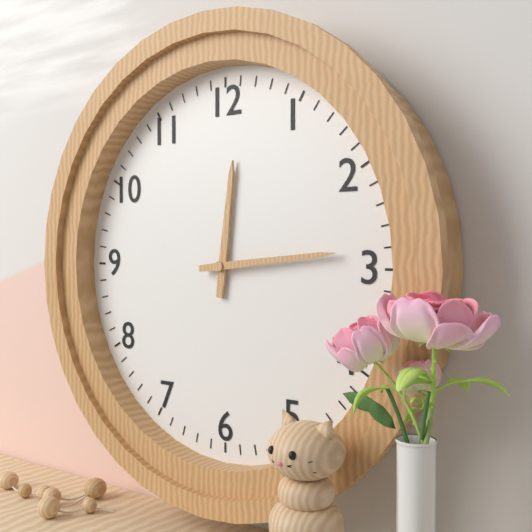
12:14
